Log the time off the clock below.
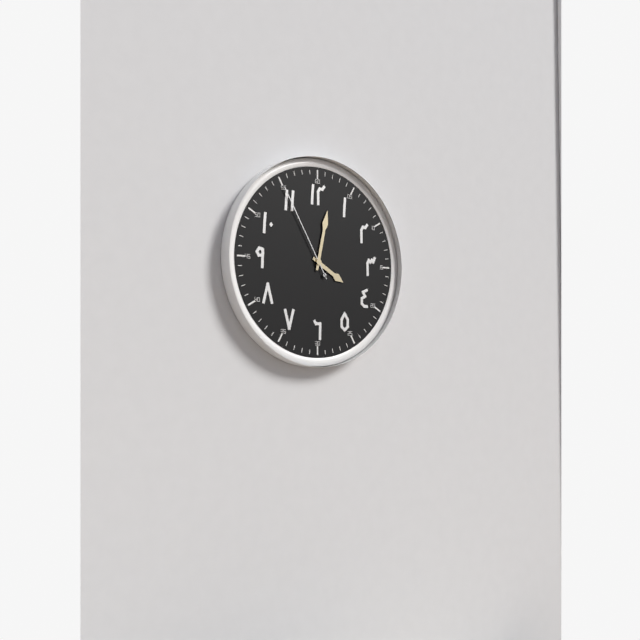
4:02:55
